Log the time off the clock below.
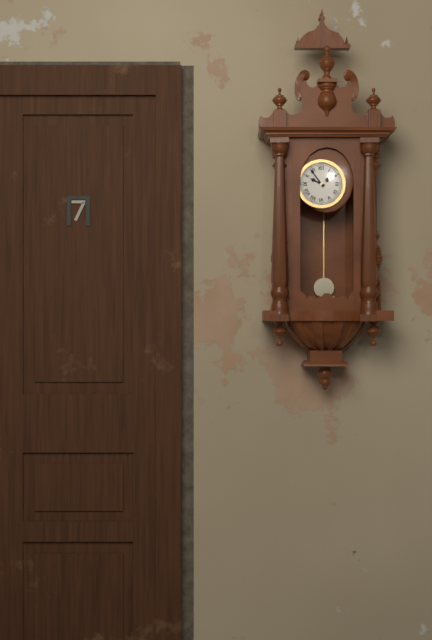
9:54
